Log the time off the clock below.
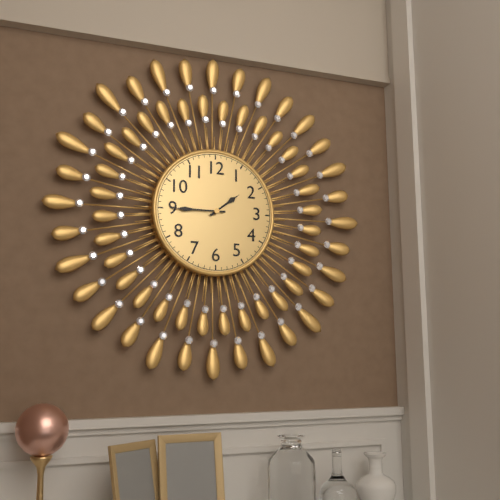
1:45
